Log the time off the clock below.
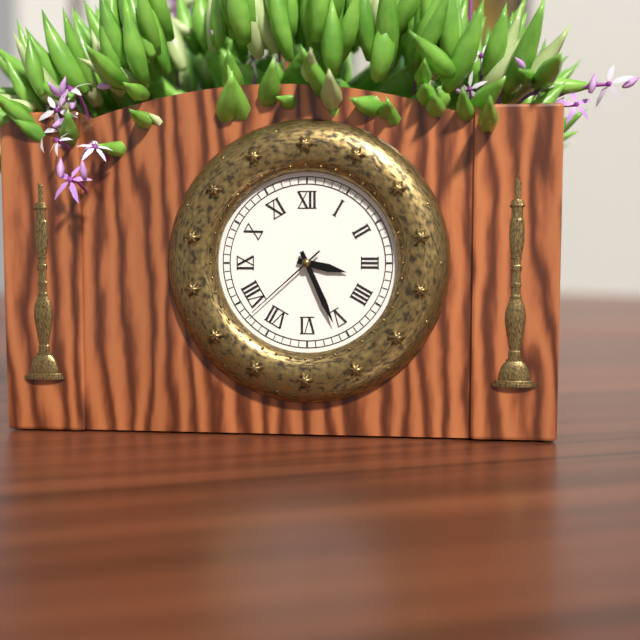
3:26:38
